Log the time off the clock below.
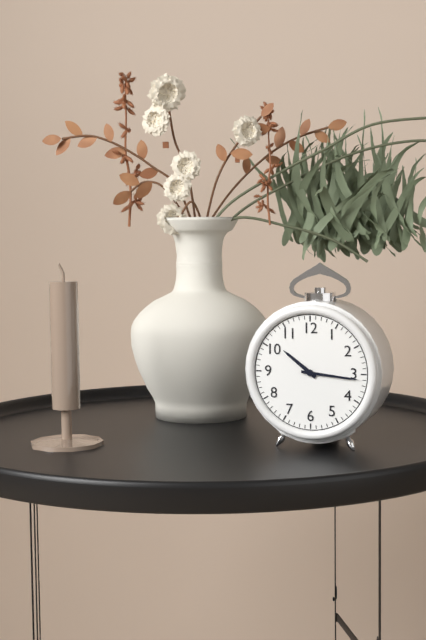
10:16
